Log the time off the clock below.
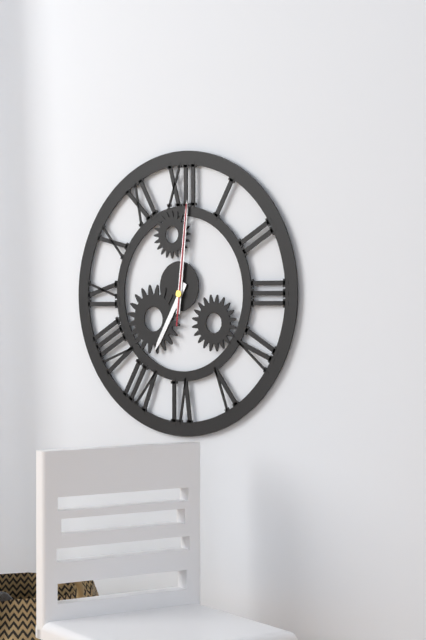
7:01:01
